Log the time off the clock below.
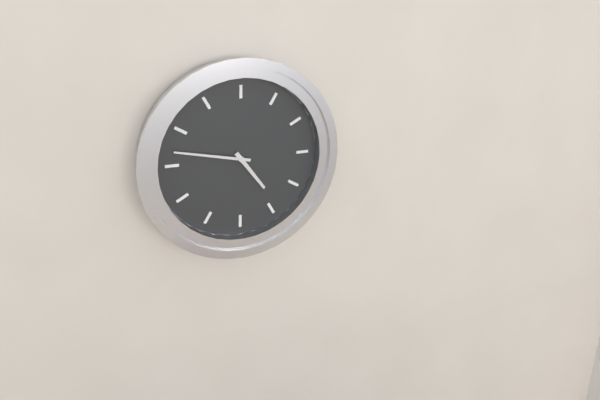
4:47
